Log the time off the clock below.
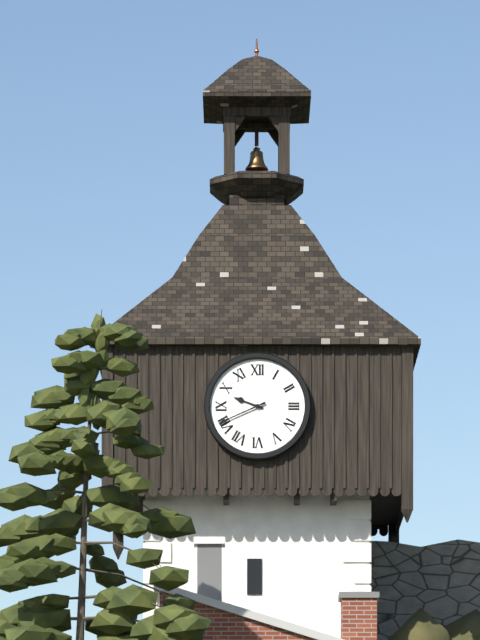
9:41
